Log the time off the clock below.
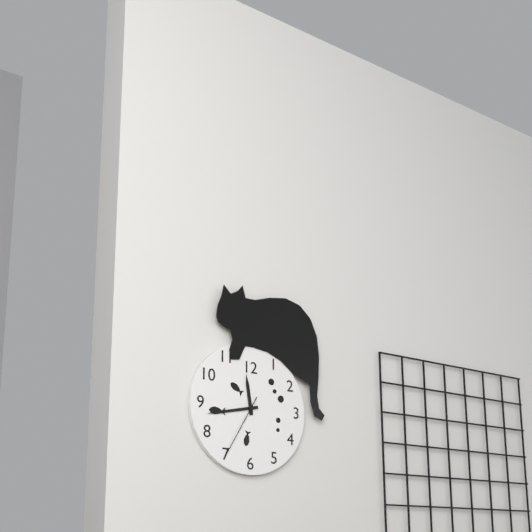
11:43:35
